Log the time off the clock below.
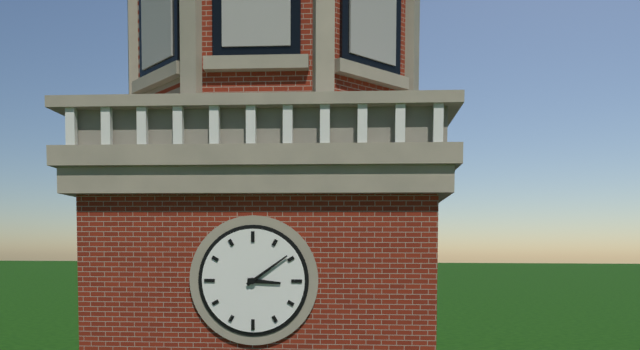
3:09
